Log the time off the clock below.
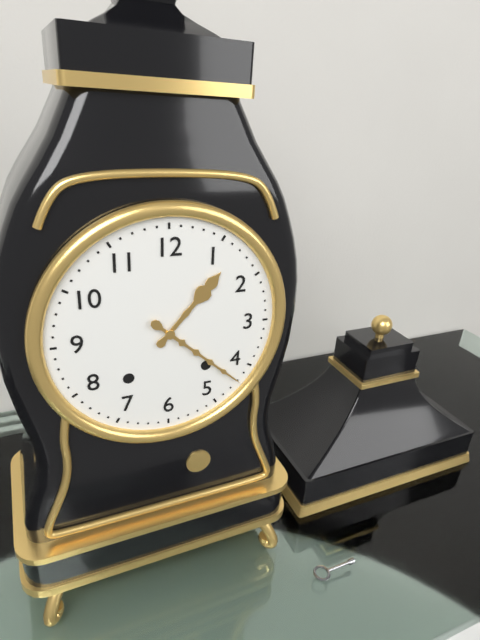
1:22
